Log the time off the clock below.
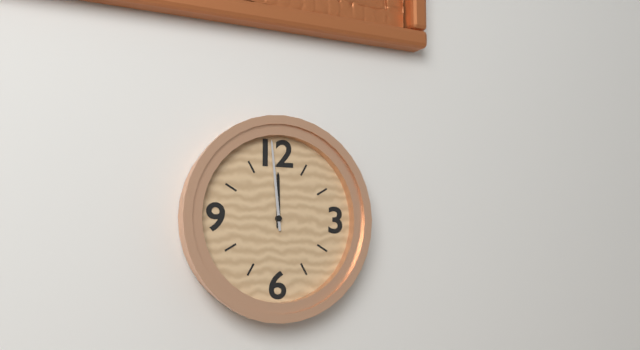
11:59
